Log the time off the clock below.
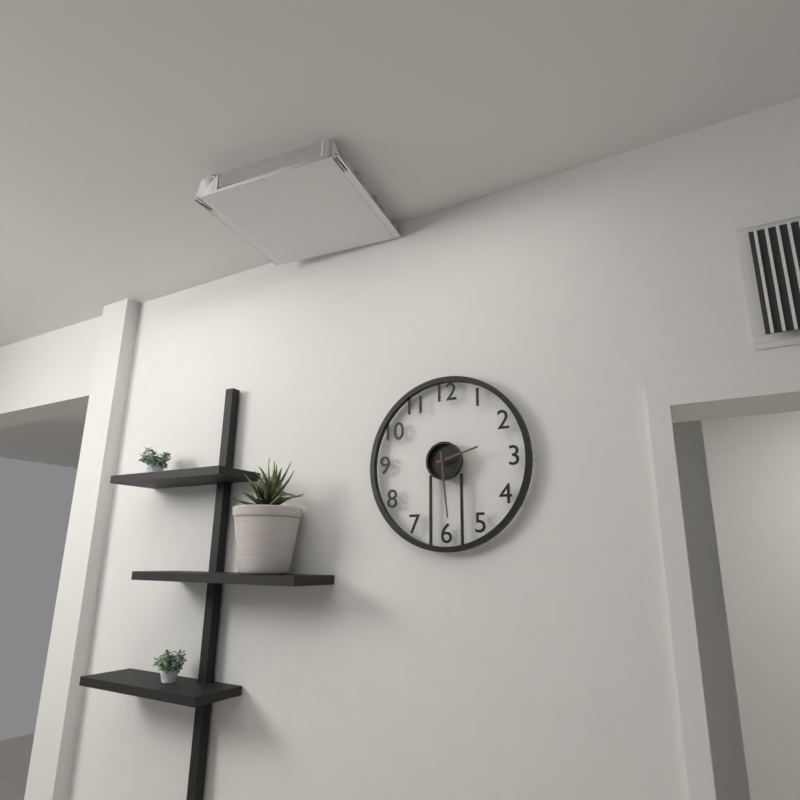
2:29
